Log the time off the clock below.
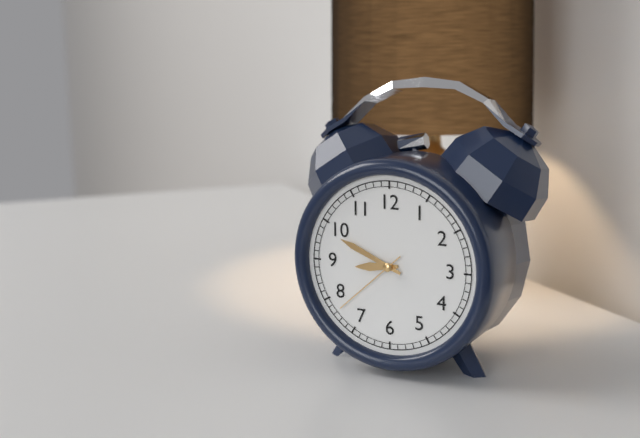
8:49:38
